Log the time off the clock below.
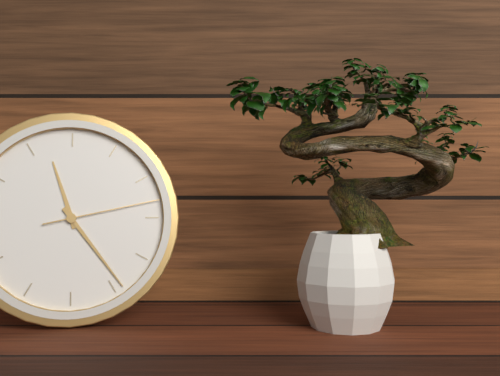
11:24:13
